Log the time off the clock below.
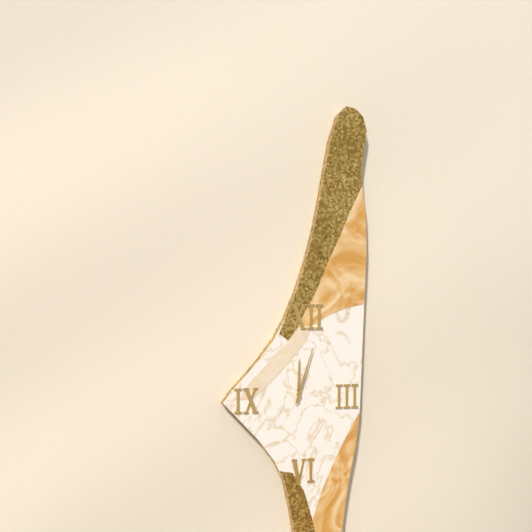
12:03
